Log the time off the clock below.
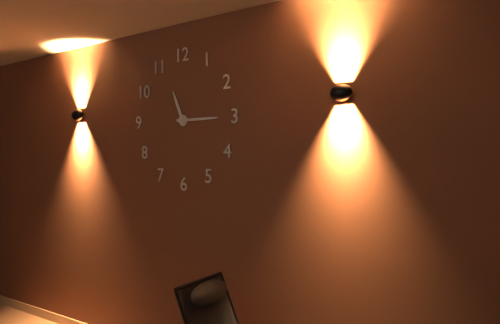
11:15
